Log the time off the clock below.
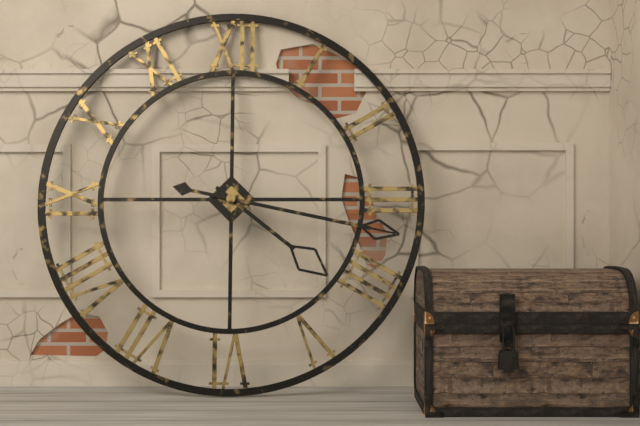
4:17
